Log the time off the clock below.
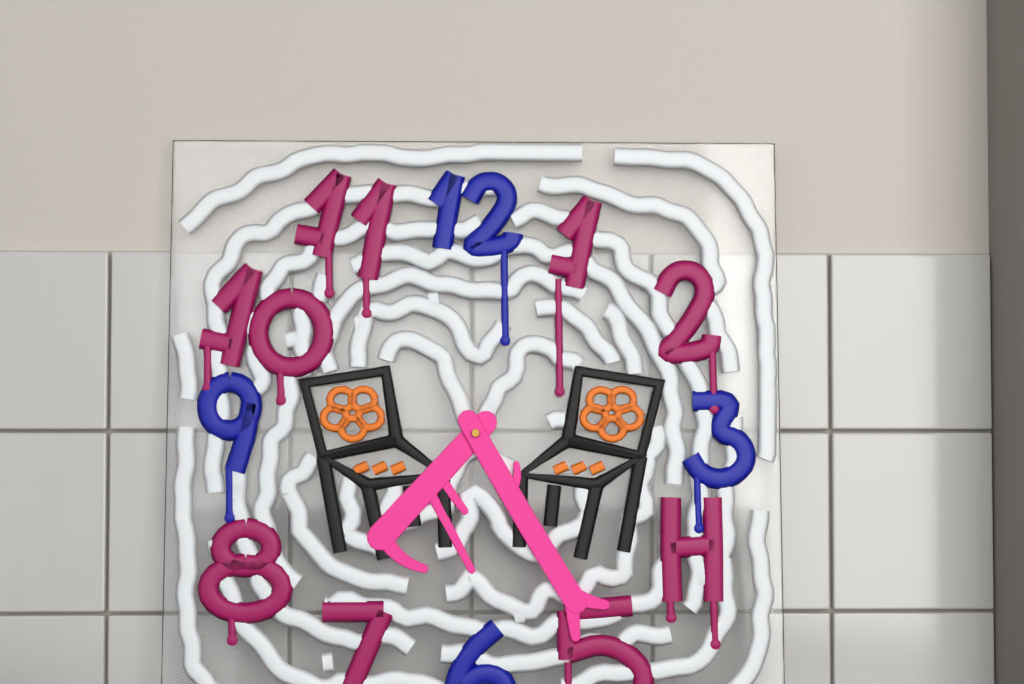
7:25
